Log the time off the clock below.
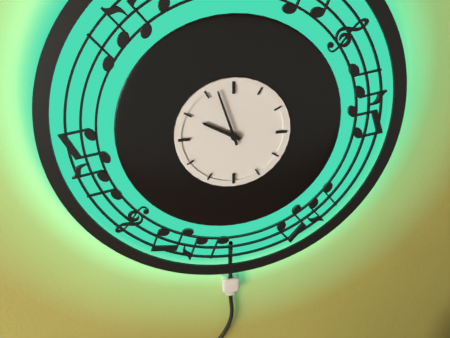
9:57
